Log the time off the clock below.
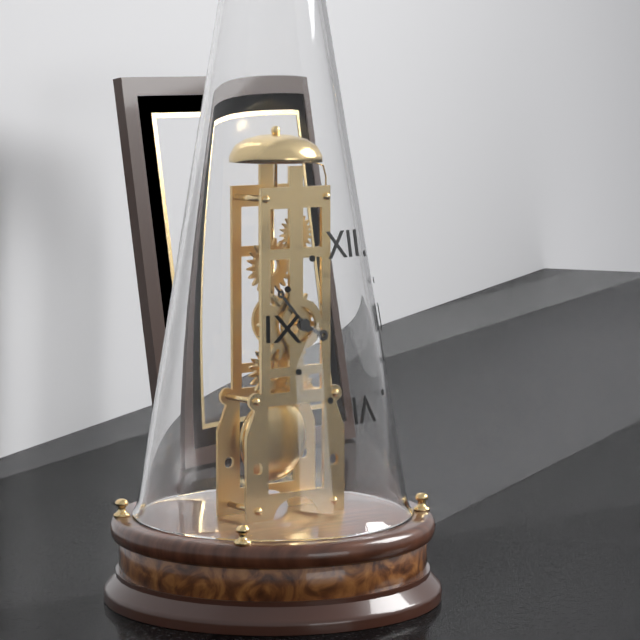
3:53
